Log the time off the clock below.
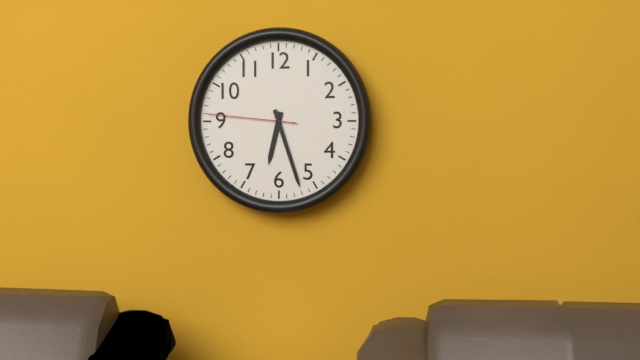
6:27:46
